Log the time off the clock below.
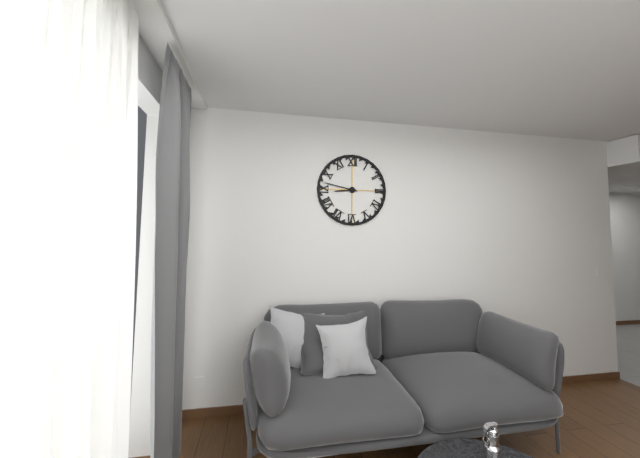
8:47
